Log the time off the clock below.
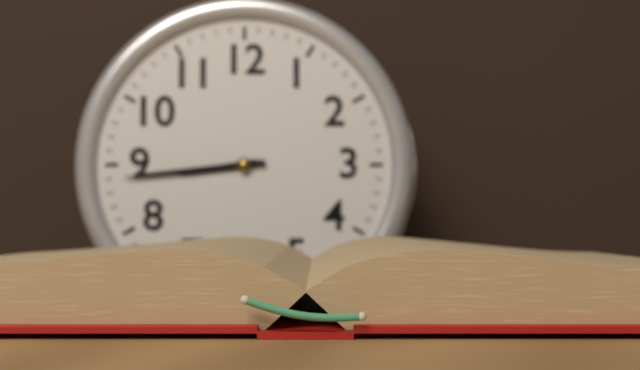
8:44
